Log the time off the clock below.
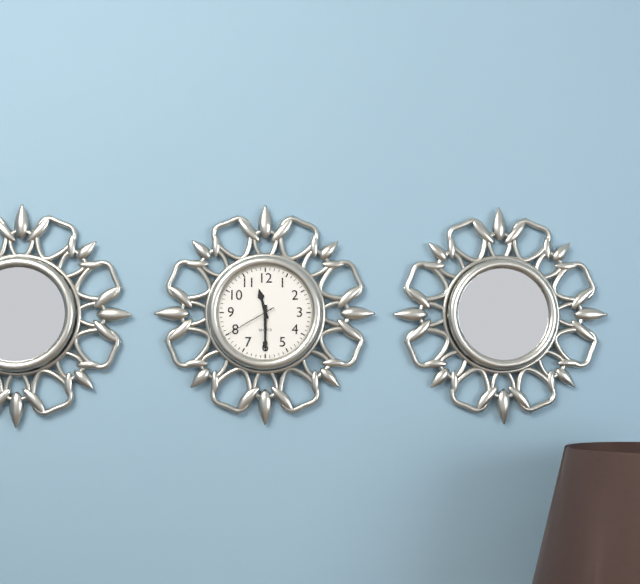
11:30:40
